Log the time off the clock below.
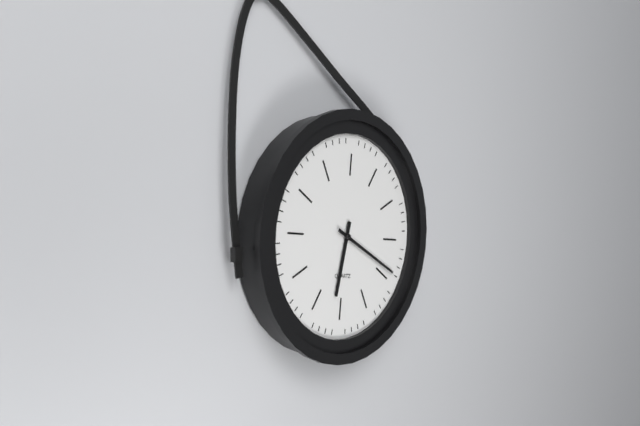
6:19
